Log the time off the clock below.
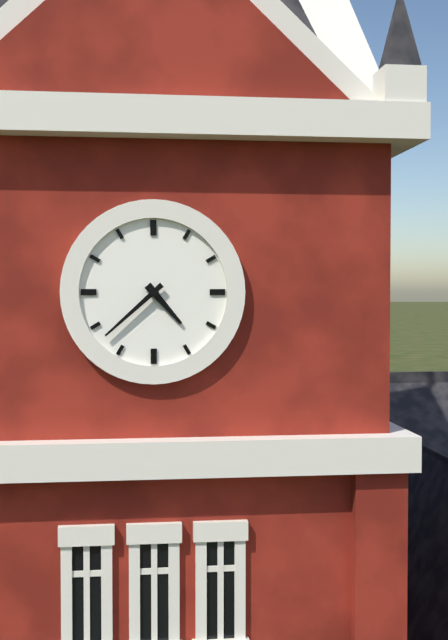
4:38
